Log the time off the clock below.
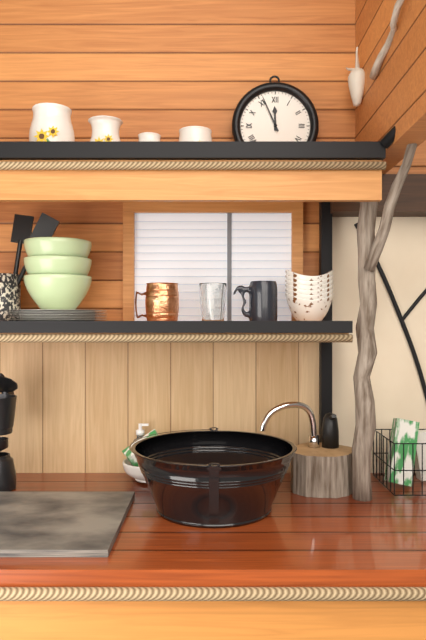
11:56
